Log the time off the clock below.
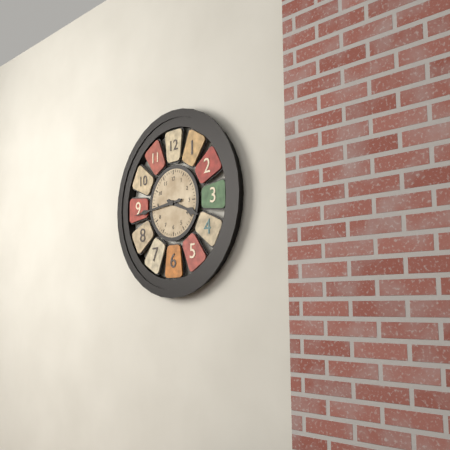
3:44
